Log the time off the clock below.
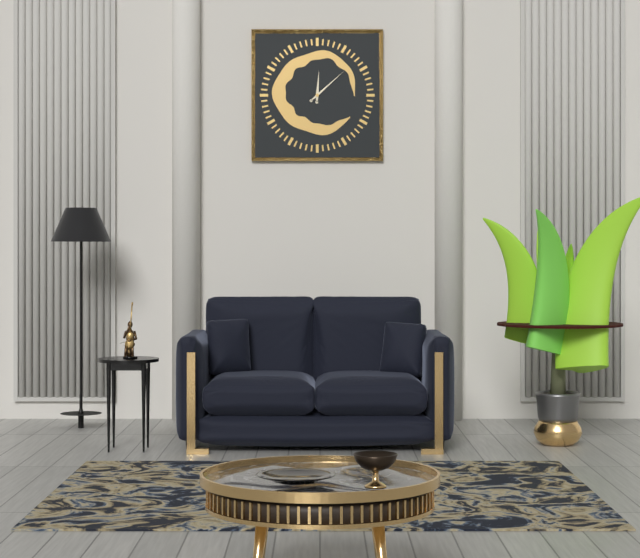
12:08
